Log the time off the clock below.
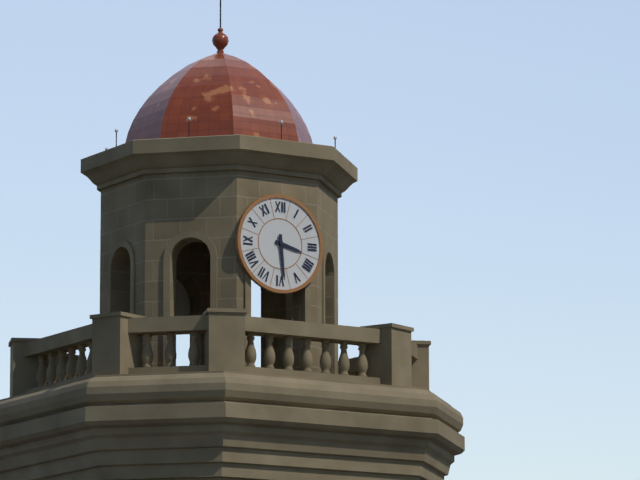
3:29
